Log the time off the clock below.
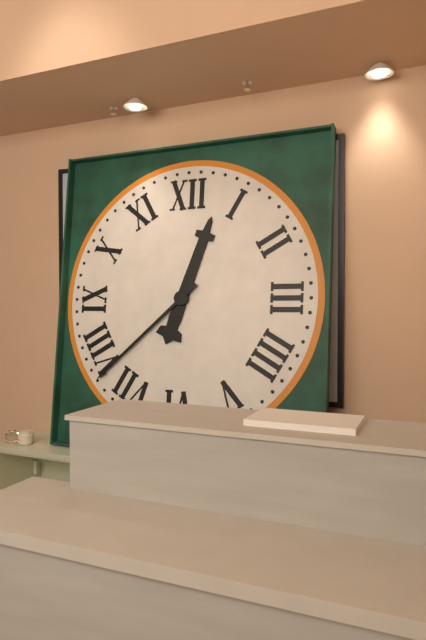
12:38
